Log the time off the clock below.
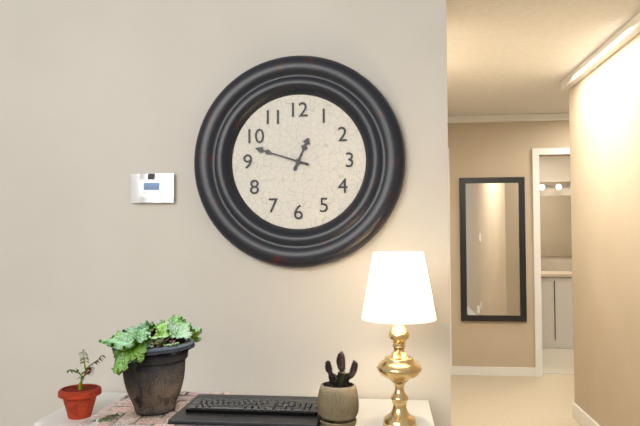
12:48
